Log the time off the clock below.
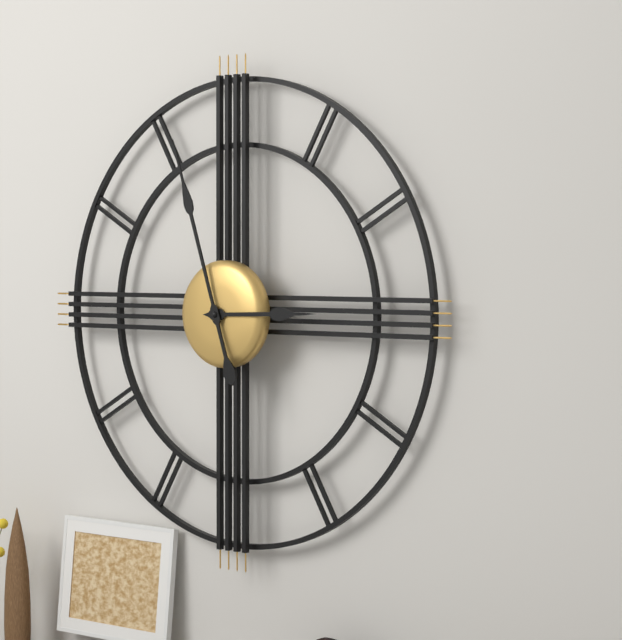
2:57
